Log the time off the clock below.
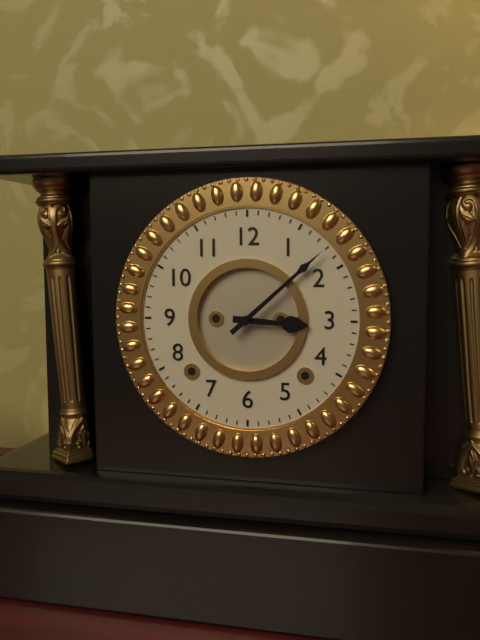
3:08
